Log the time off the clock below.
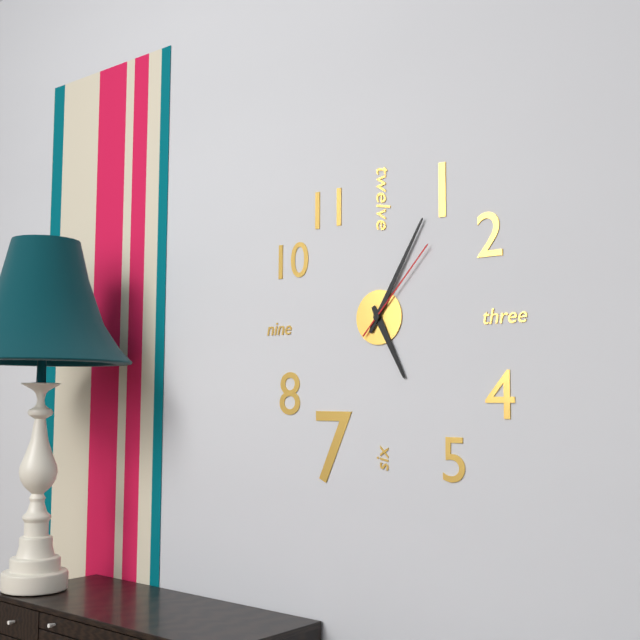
5:05:07
